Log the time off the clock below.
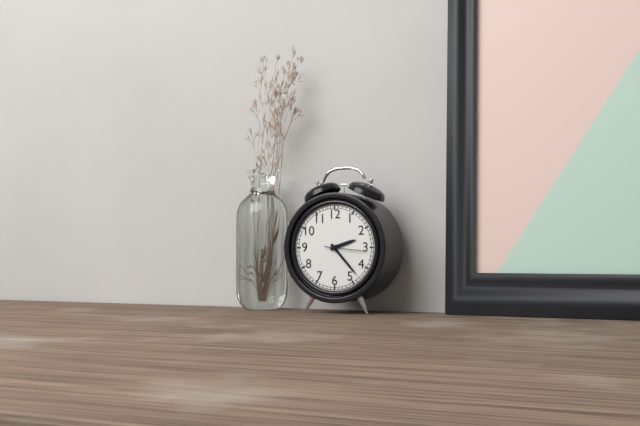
2:23
